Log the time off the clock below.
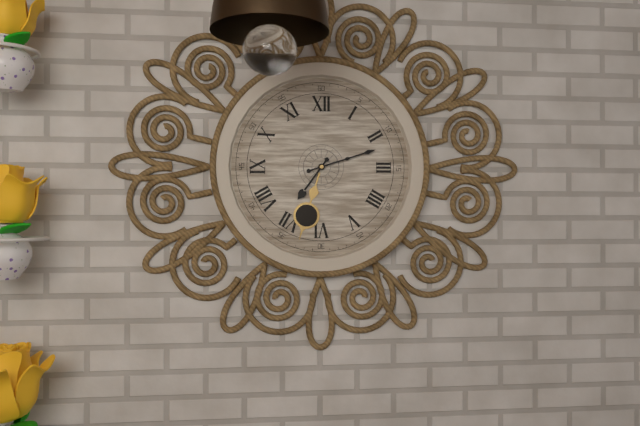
7:12
